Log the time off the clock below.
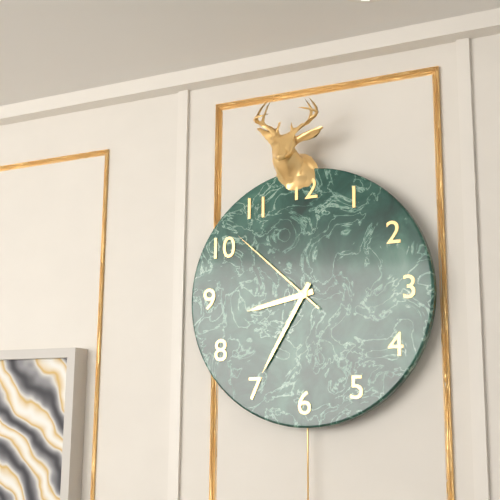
8:35:52
